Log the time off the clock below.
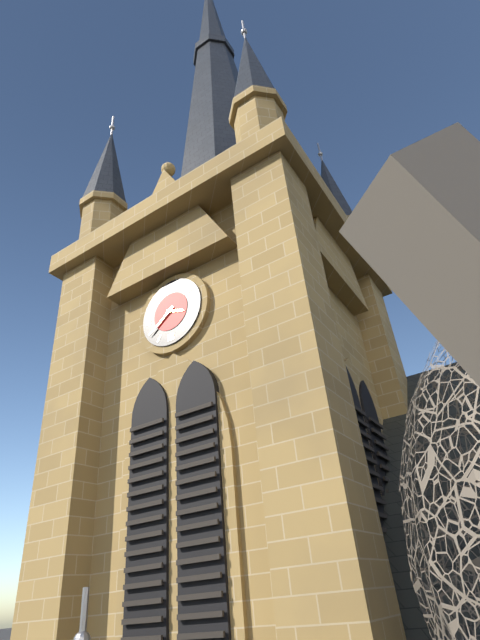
3:39
